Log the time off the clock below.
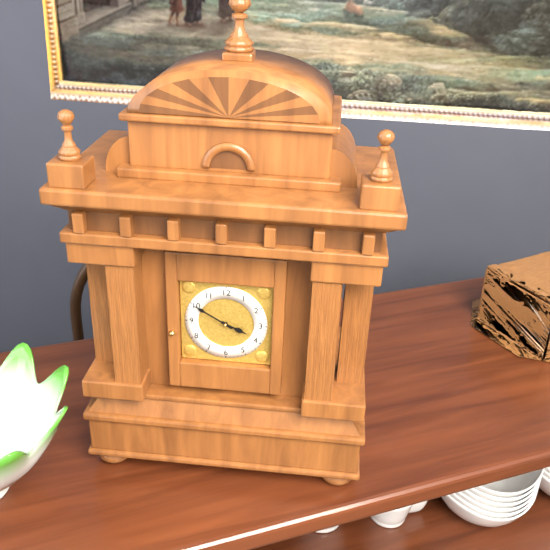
3:50
